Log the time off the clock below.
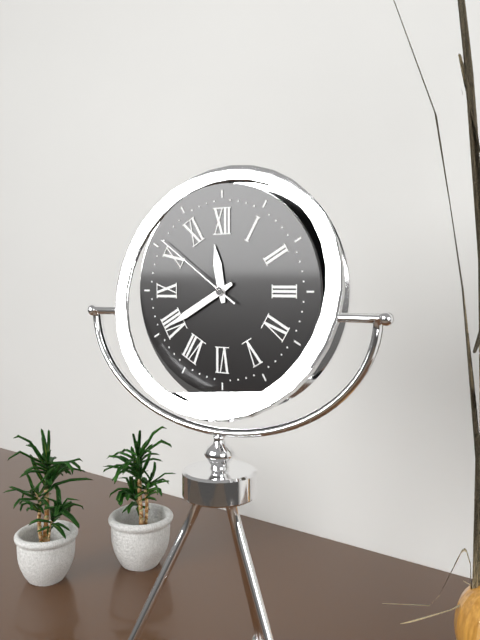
11:40:51
